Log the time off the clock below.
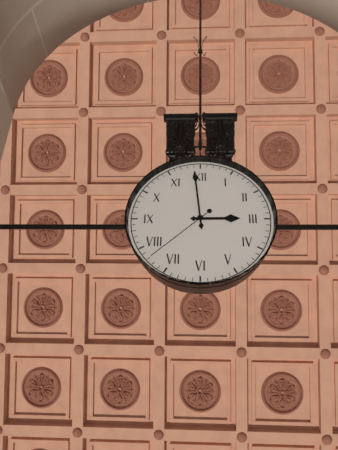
2:59:38
